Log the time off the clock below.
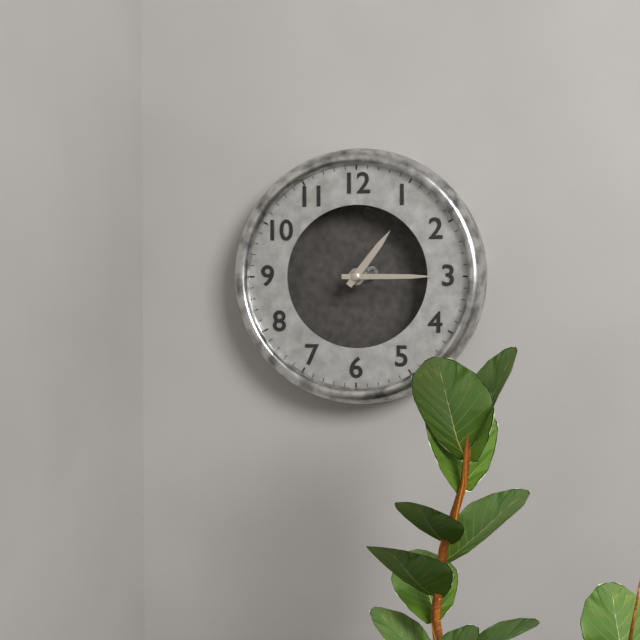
1:15
